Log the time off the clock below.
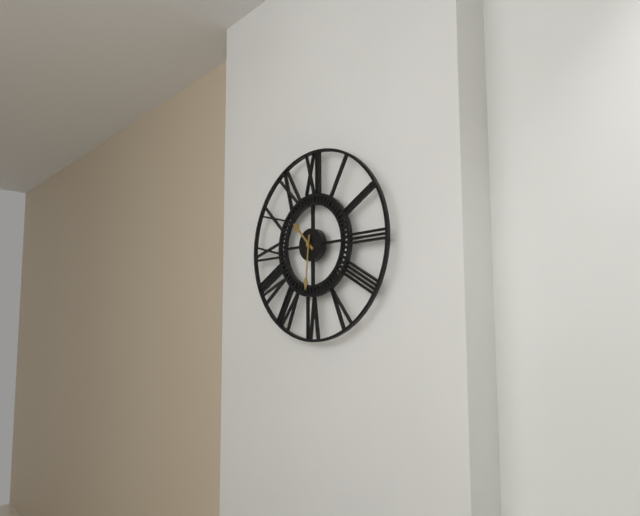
10:31
